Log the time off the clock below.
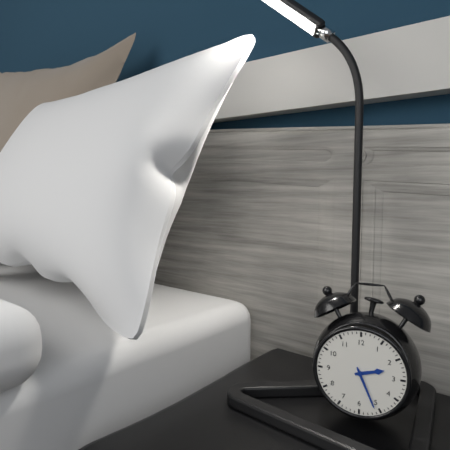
2:26
